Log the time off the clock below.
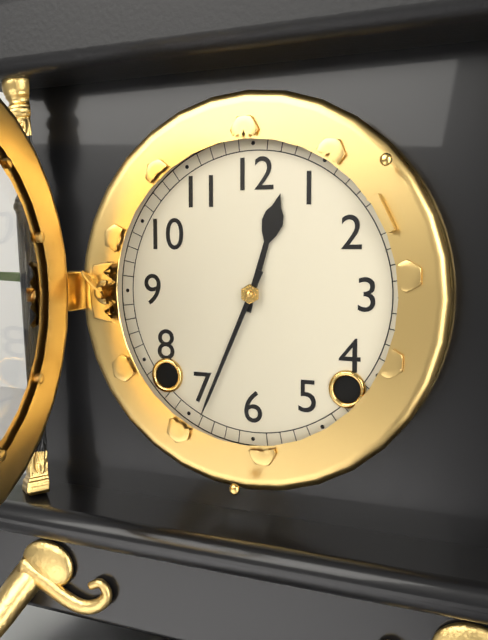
12:34
